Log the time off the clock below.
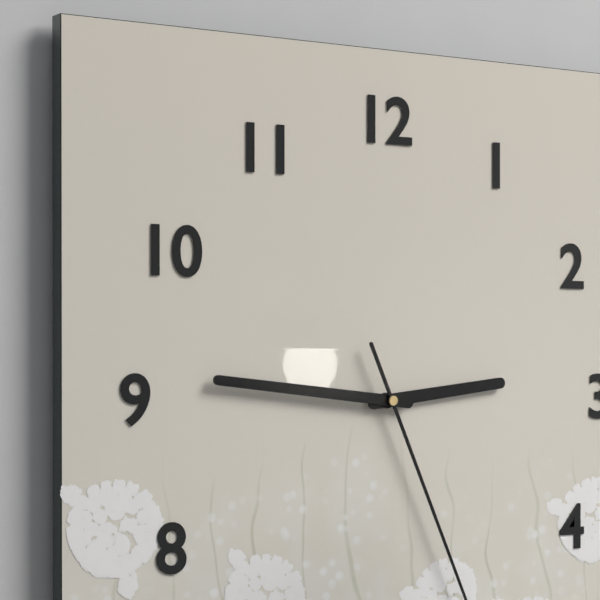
2:46
